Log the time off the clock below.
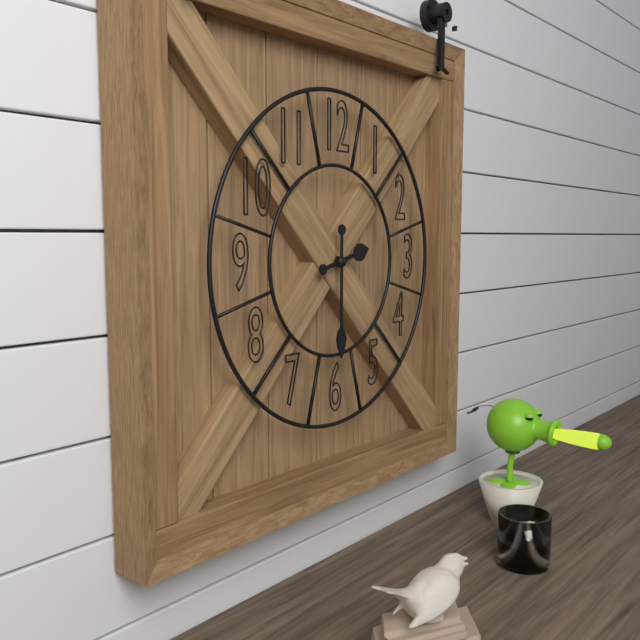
2:30
